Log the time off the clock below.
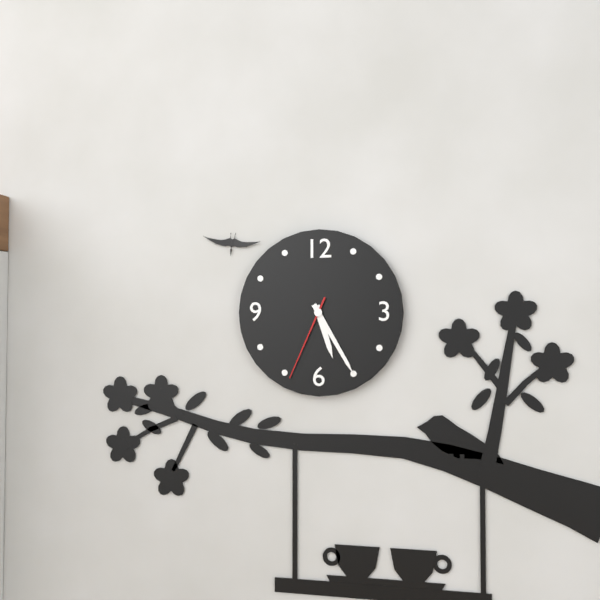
5:25:34
